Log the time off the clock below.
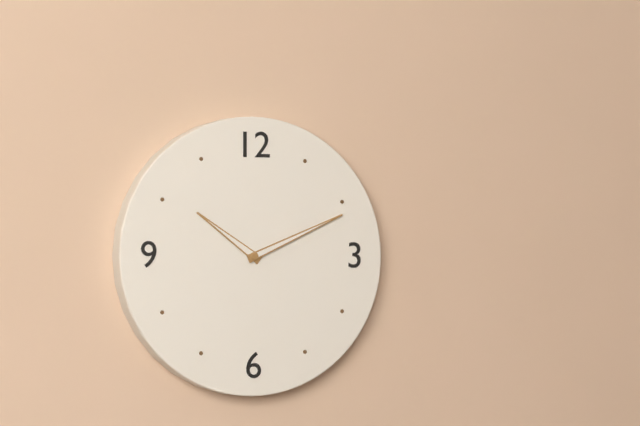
10:11
